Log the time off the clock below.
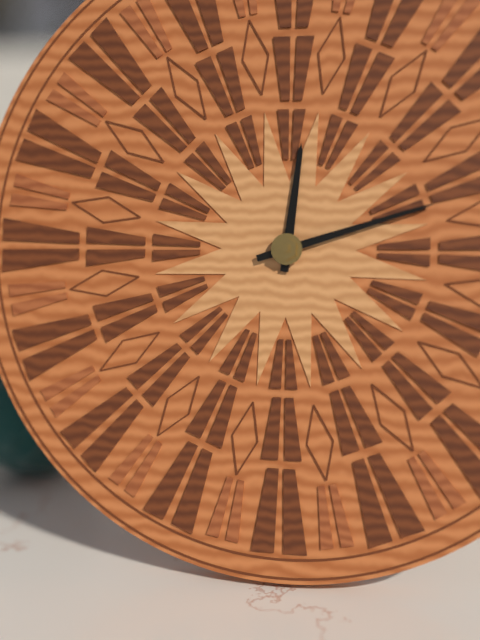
12:12
